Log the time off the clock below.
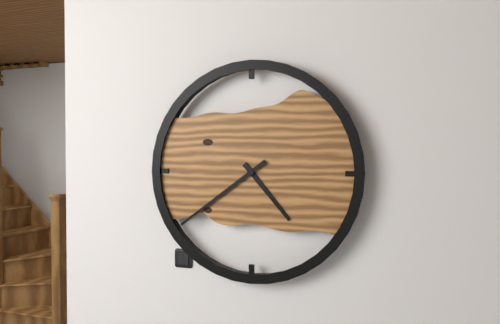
4:39
